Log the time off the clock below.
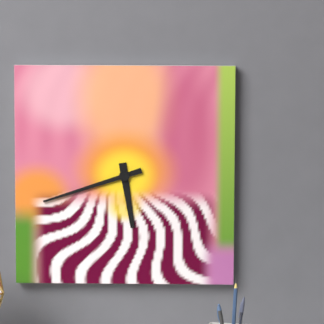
5:42
